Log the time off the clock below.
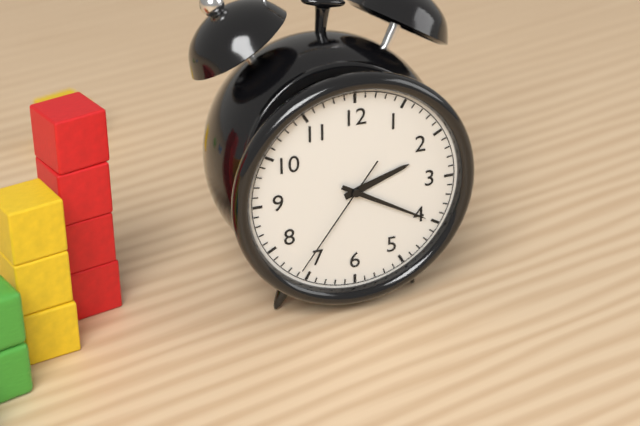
2:20:36
